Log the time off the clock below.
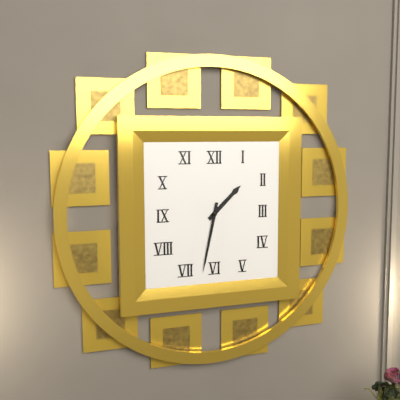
1:32
